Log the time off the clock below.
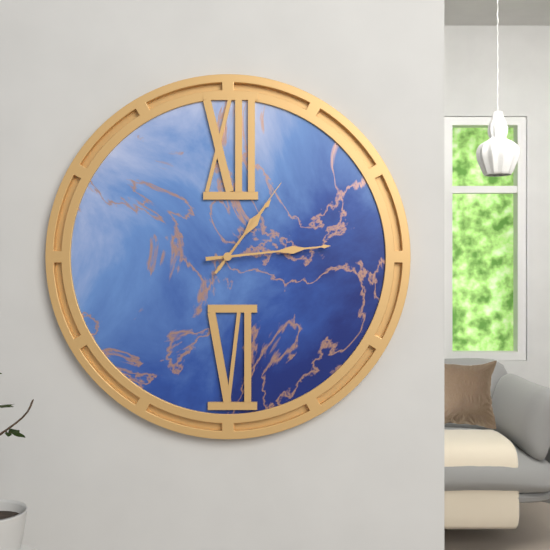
1:14:06
